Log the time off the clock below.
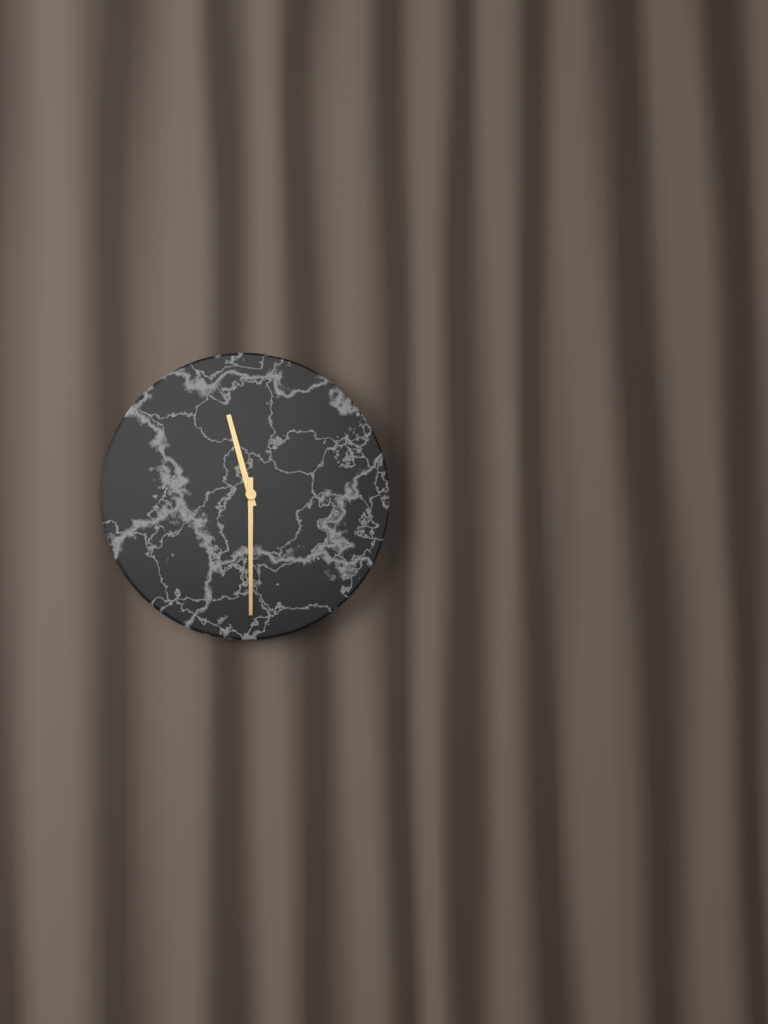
11:30
